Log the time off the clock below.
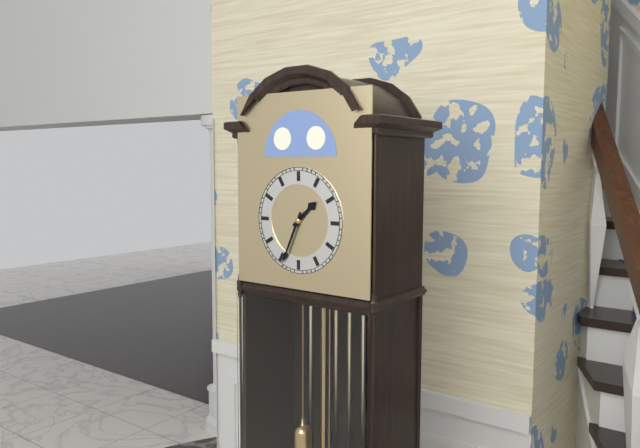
1:34
